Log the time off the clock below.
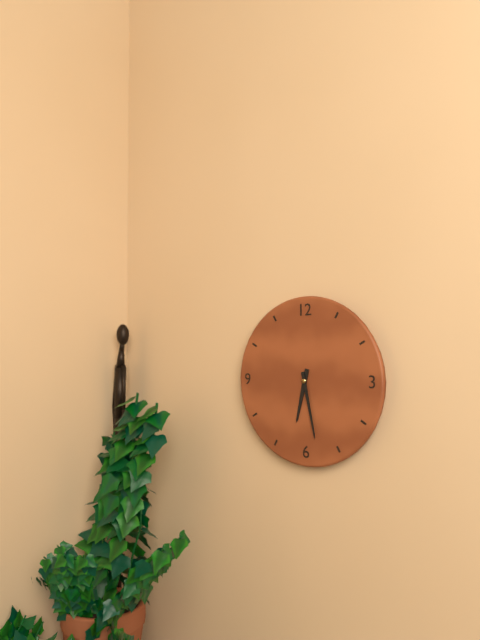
6:28
